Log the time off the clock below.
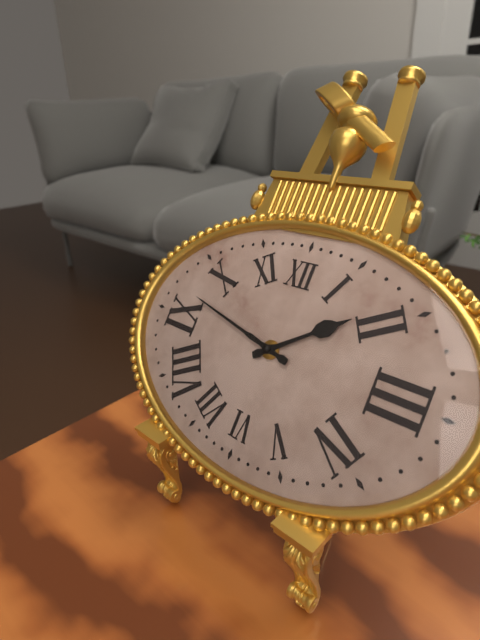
1:47
